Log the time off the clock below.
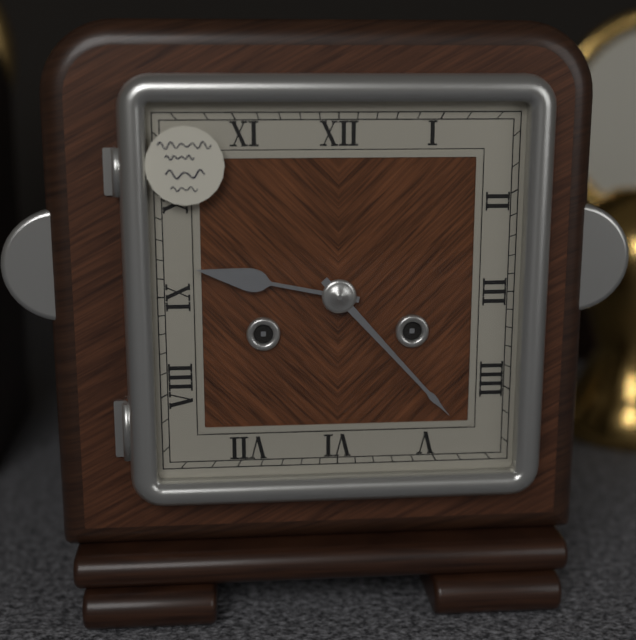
9:23
